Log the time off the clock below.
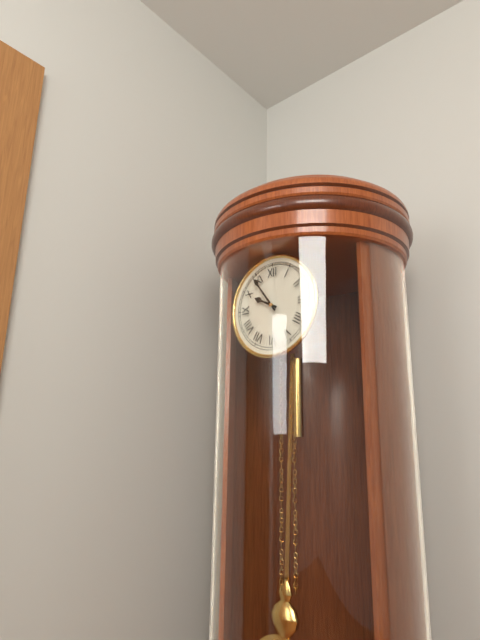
9:54
